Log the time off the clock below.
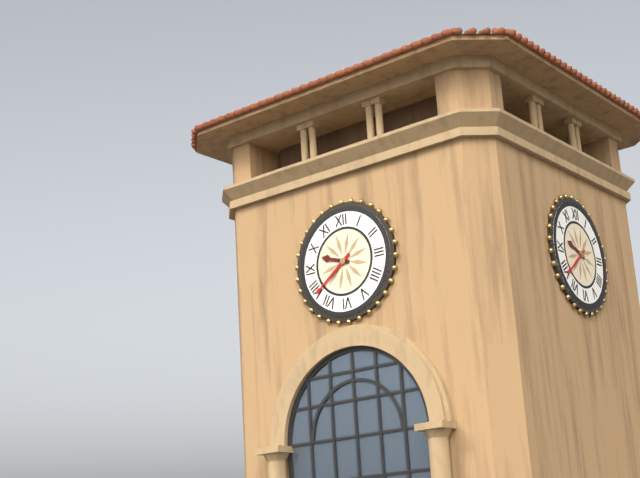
9:39
